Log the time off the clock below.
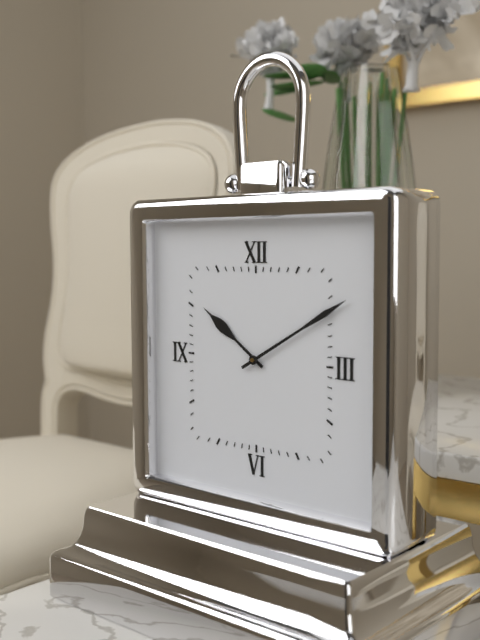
10:10
